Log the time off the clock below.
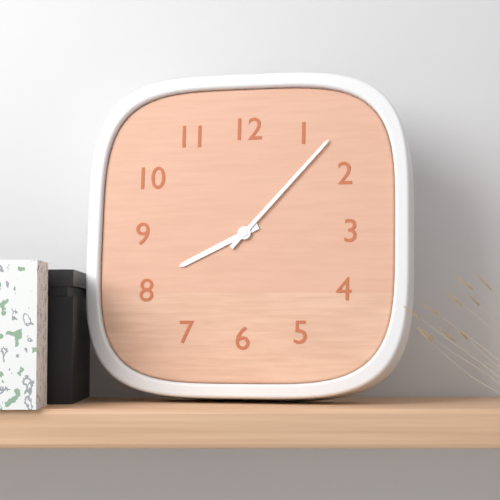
8:07
